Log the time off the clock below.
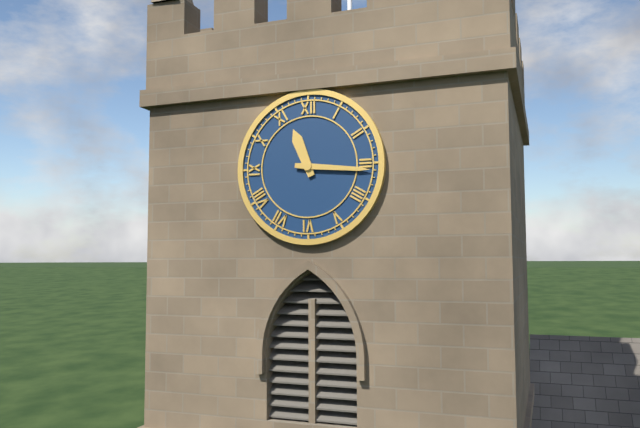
11:16
